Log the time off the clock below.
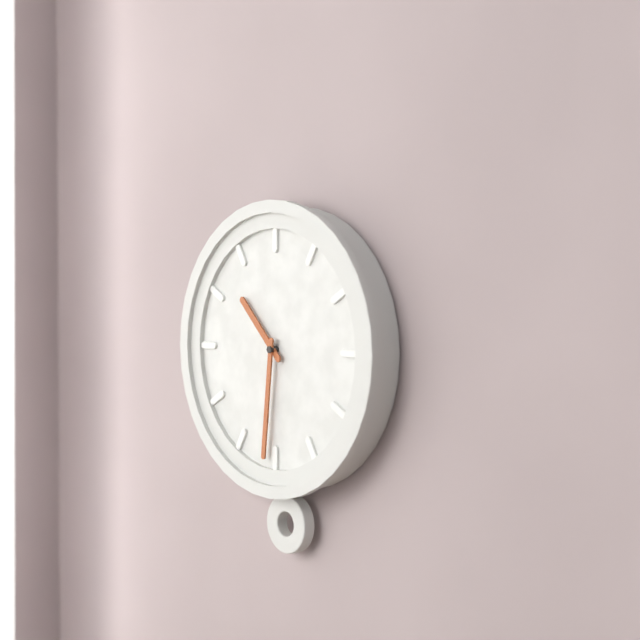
10:31
